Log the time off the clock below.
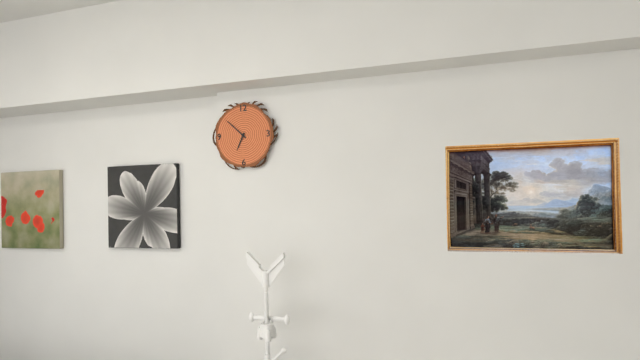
6:52
